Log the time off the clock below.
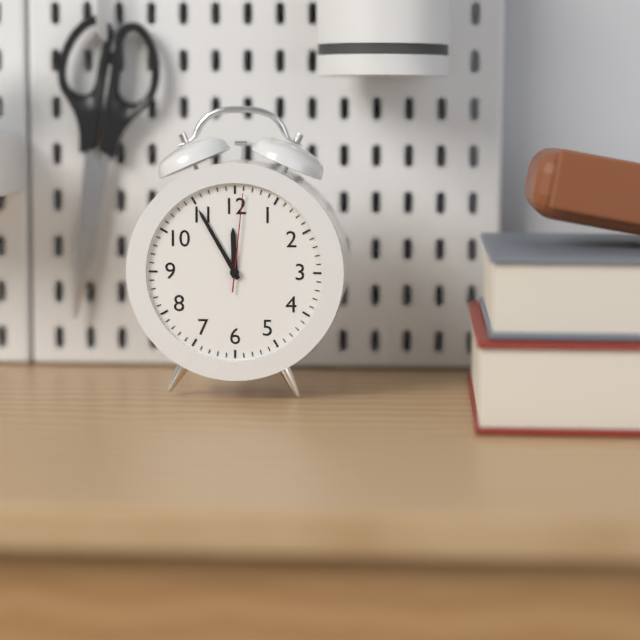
11:55:01
